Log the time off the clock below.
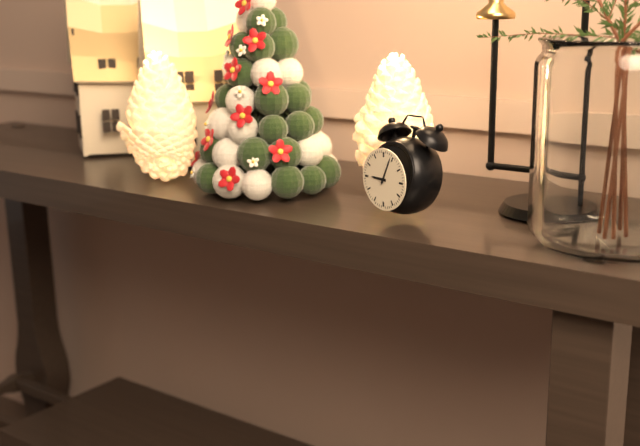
9:04
